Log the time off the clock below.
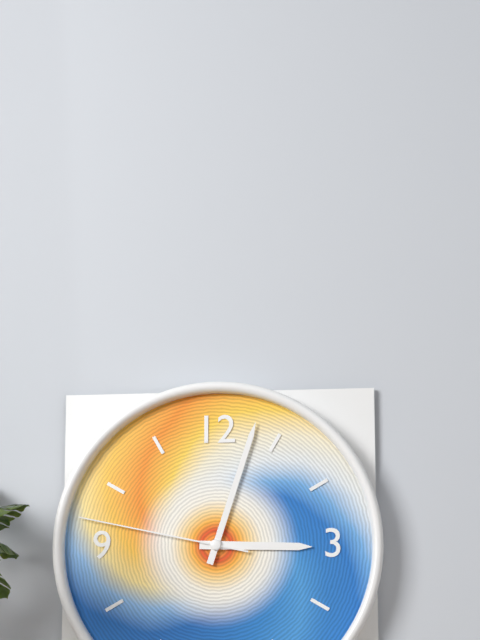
3:03:47
